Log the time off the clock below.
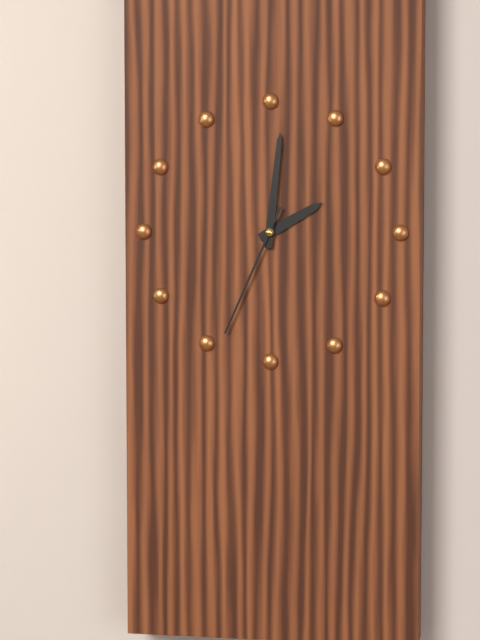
2:01:34
